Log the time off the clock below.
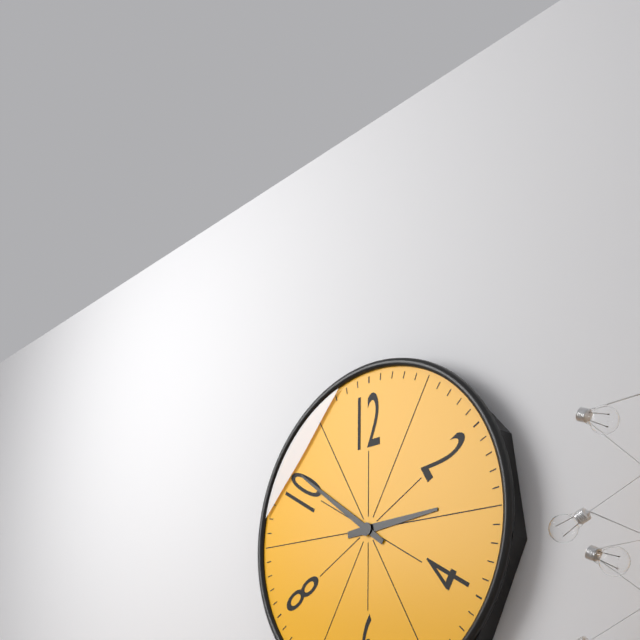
2:51
